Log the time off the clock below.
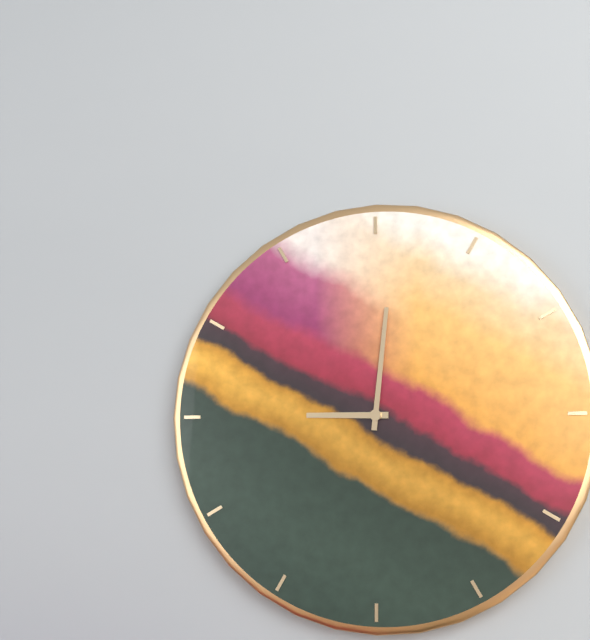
9:01
